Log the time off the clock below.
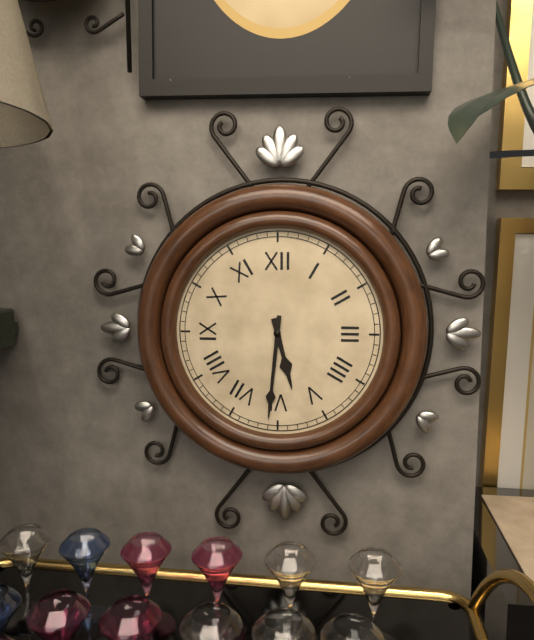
5:31
